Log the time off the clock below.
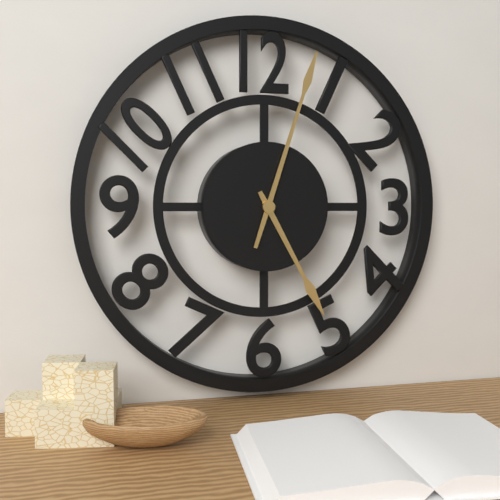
5:03
